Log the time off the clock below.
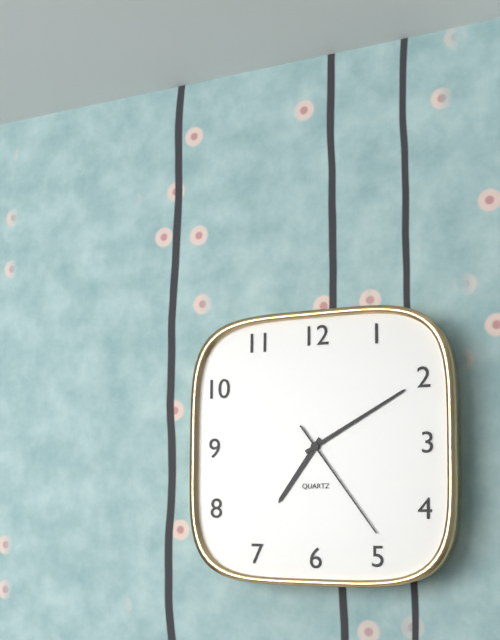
7:10:24
